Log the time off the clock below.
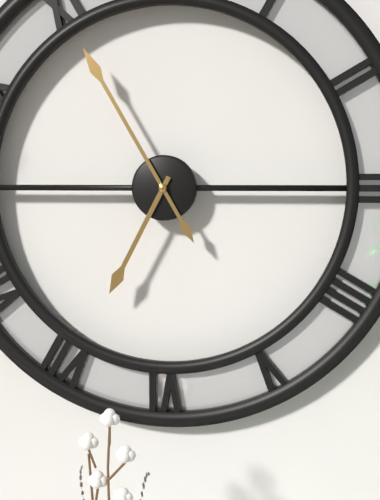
6:55
